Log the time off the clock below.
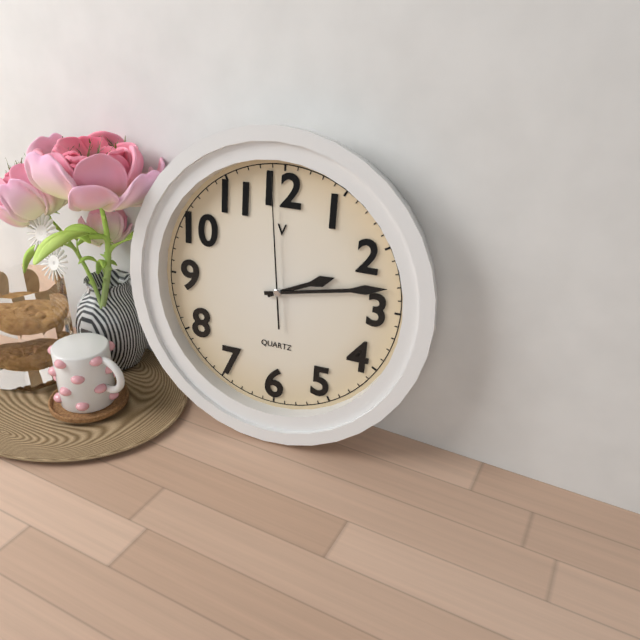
2:13:59
